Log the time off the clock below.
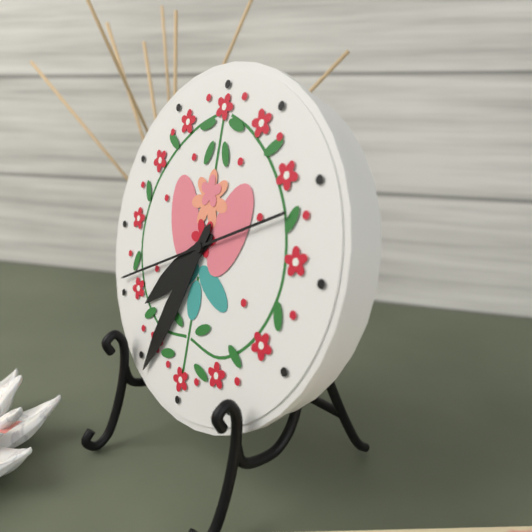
7:34:41
